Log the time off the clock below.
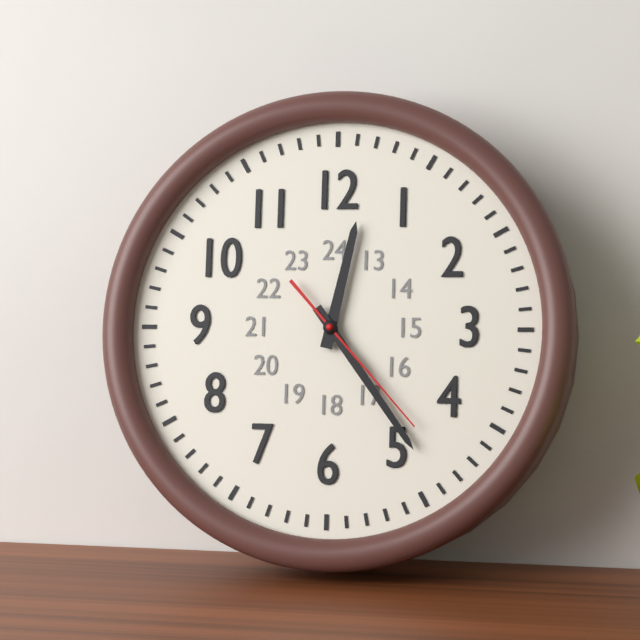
12:24:23
